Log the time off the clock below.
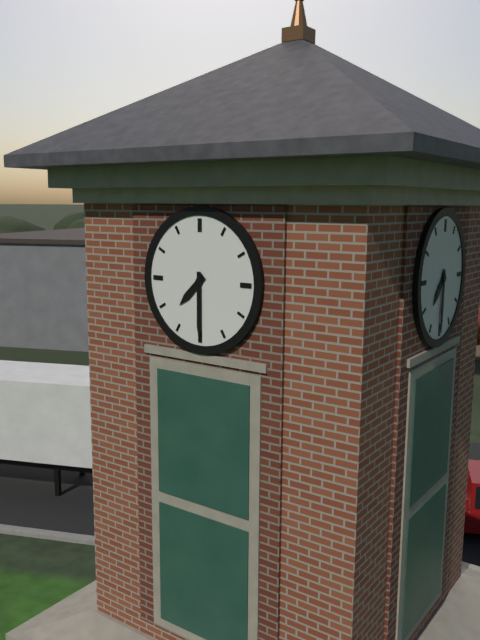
7:30
